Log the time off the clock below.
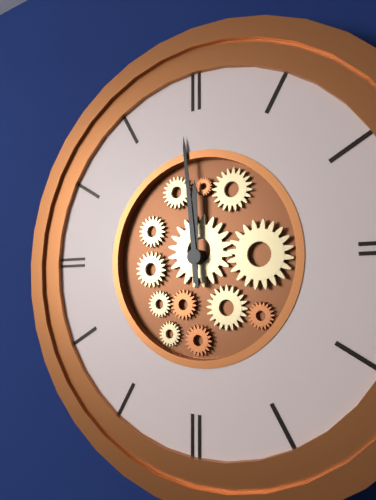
11:59
